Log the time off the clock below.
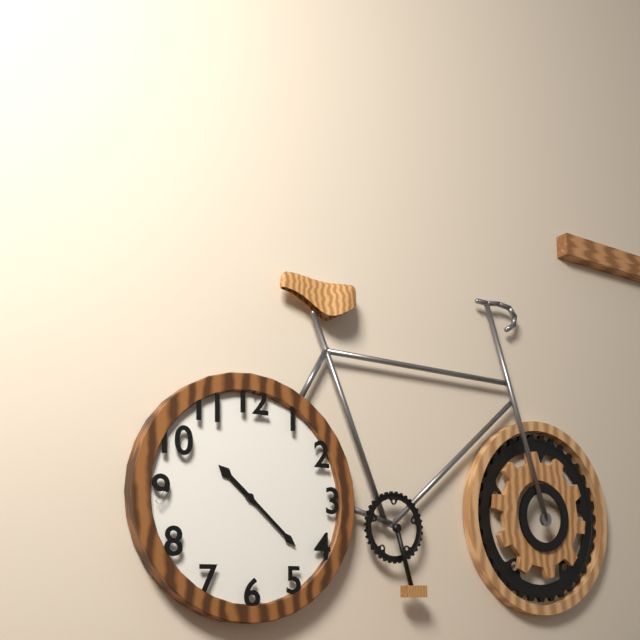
10:22
